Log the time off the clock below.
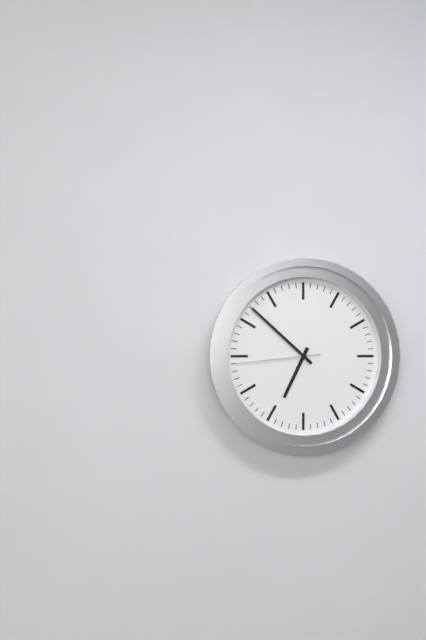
6:52:44
